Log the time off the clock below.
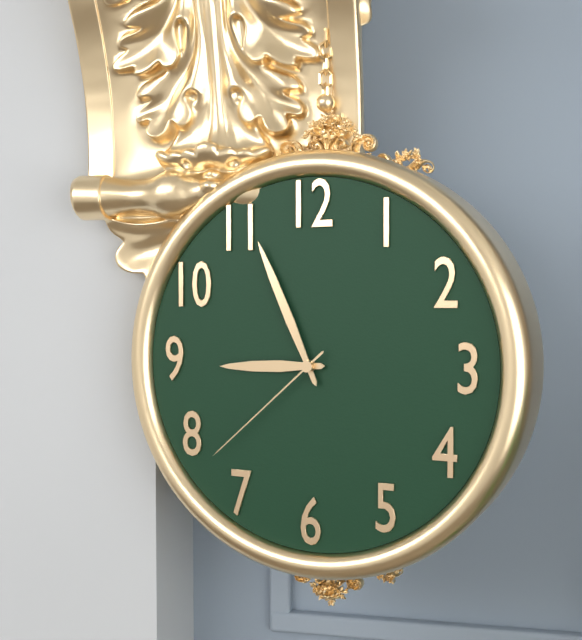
8:56:38
